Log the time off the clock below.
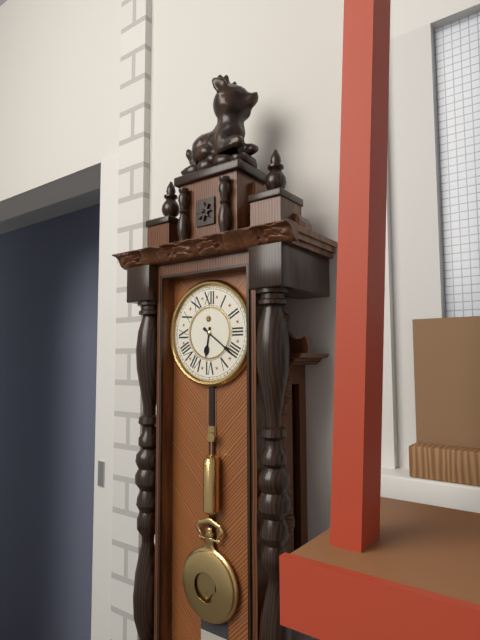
6:21
